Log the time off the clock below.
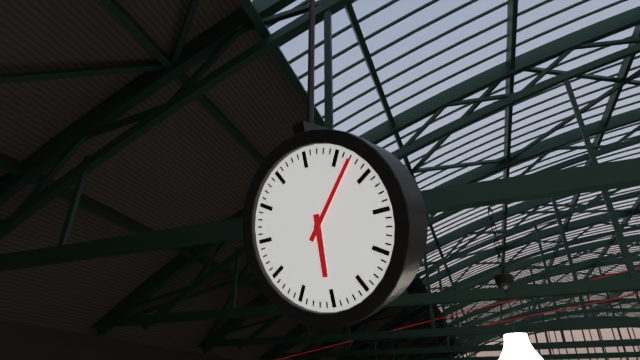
6:07
